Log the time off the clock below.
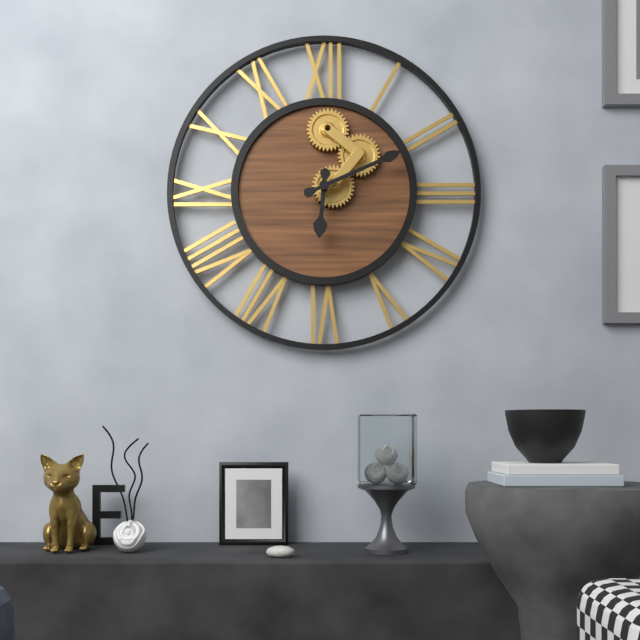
6:11
